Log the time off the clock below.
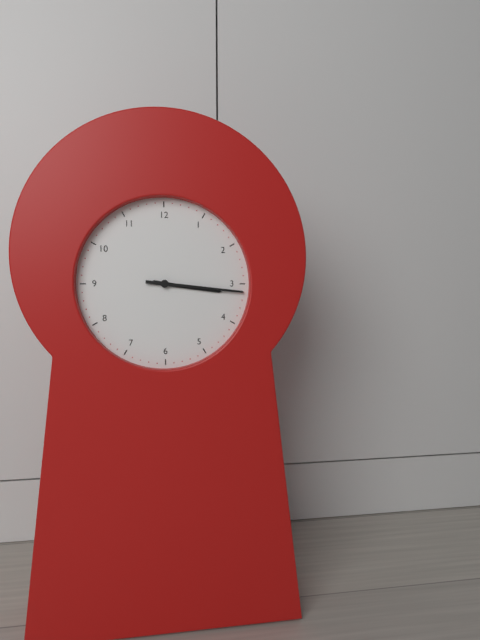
3:16
